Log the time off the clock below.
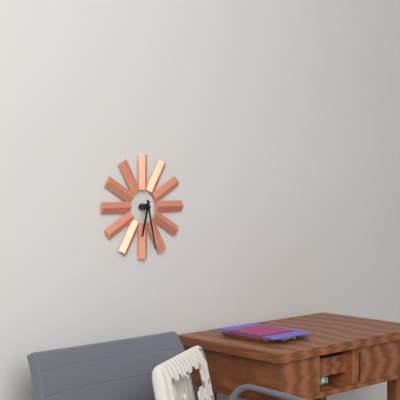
6:28
